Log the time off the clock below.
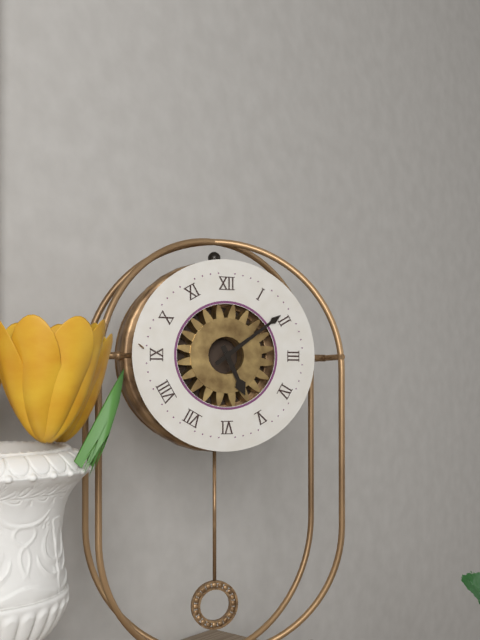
5:09
